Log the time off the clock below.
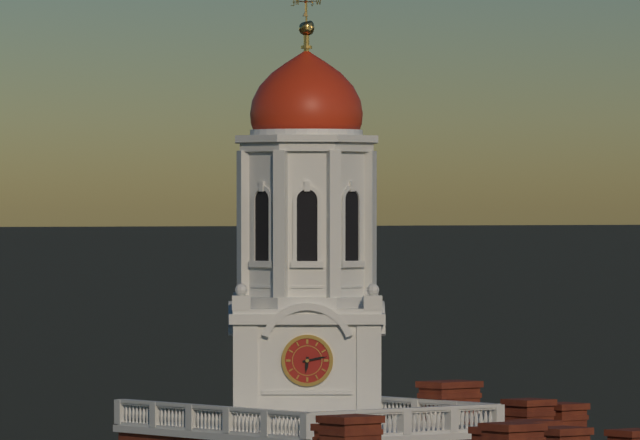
6:13
